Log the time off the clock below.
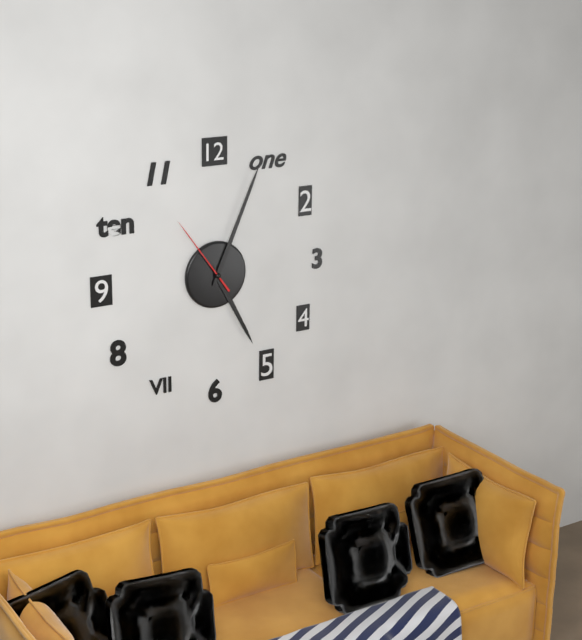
5:04:54
